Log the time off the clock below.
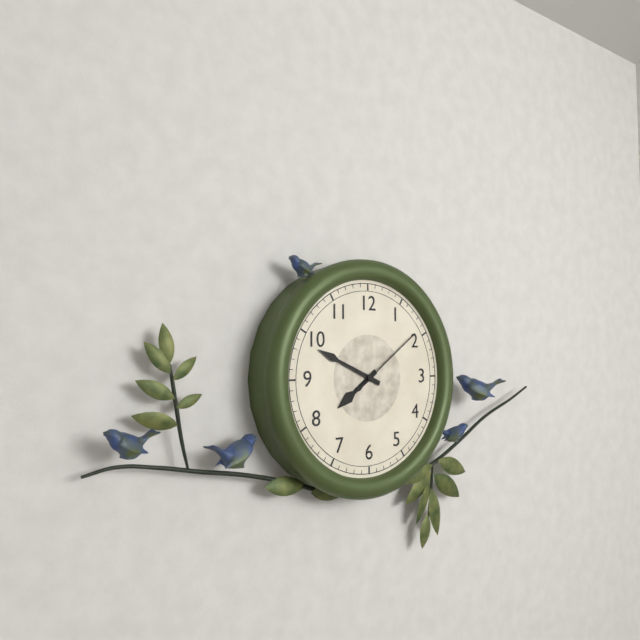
7:49:09
